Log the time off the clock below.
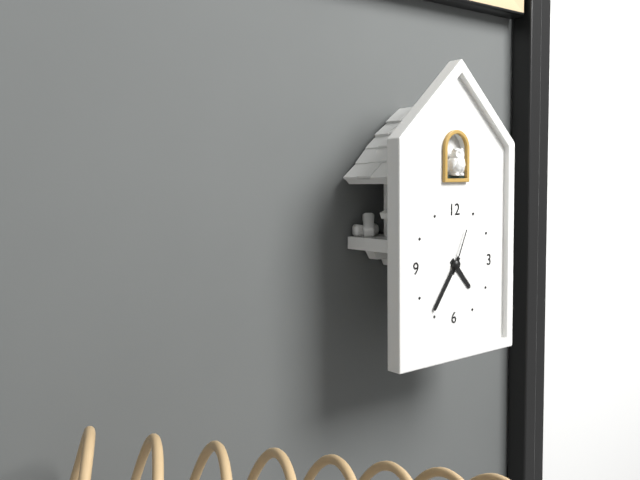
4:36:04
